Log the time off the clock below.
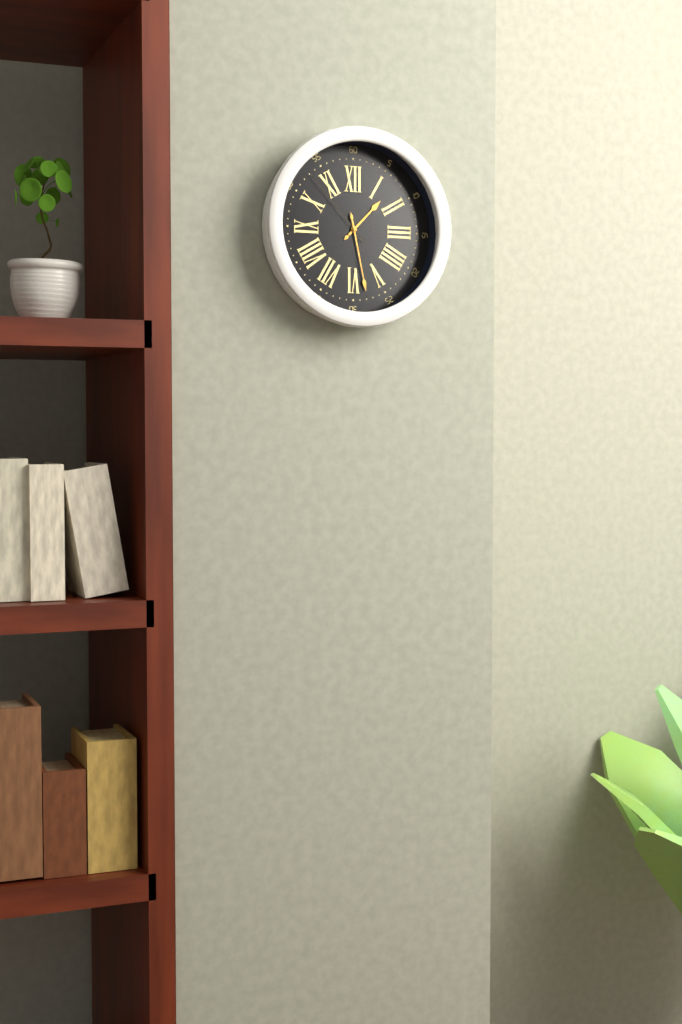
1:28:53
